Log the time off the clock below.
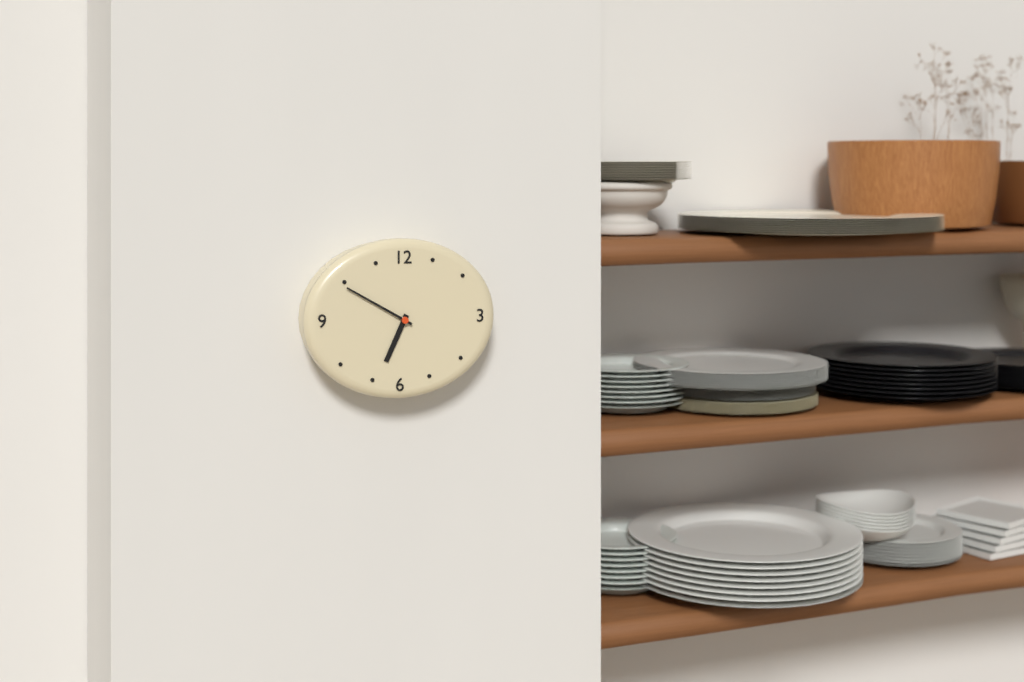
6:50
